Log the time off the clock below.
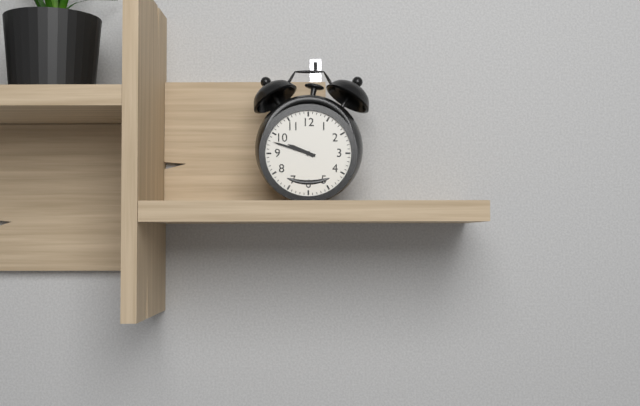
9:48
